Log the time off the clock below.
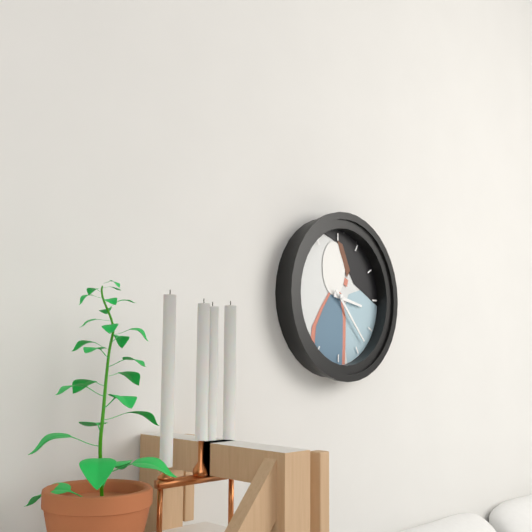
3:23
